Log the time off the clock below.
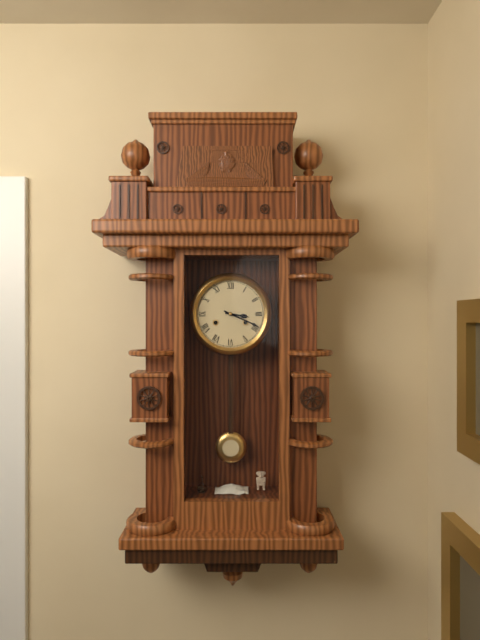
3:19
